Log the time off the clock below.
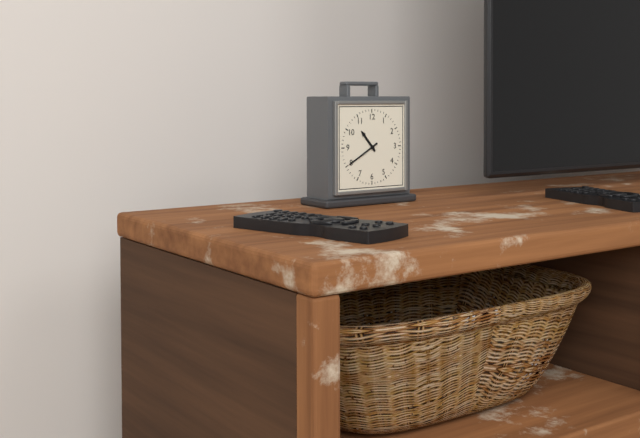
10:40
